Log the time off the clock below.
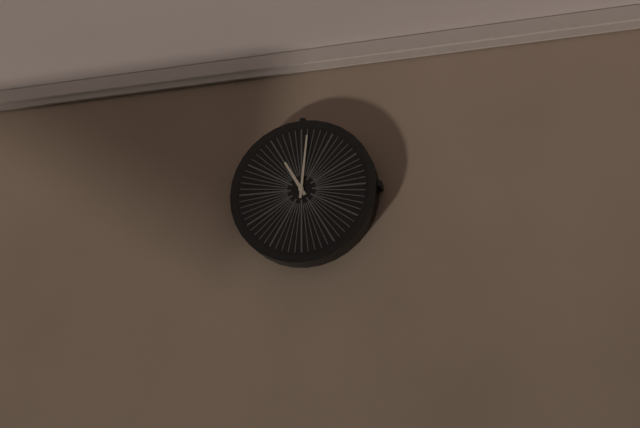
11:01
